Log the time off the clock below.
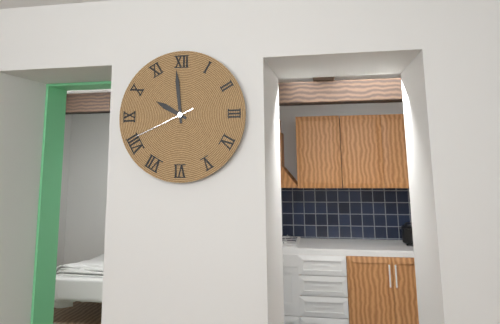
9:59:41
